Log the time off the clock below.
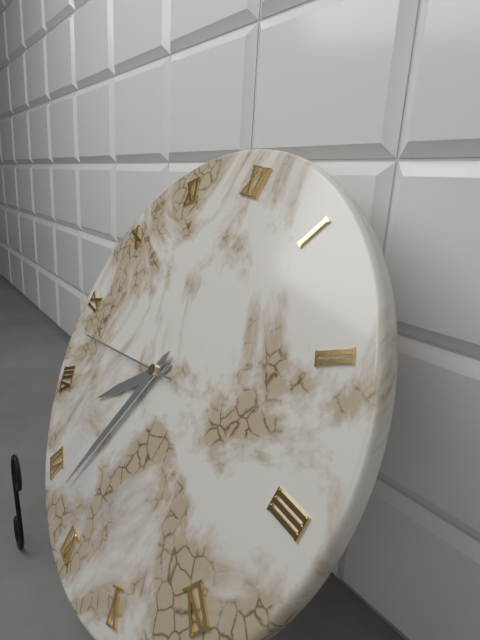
7:33:43
